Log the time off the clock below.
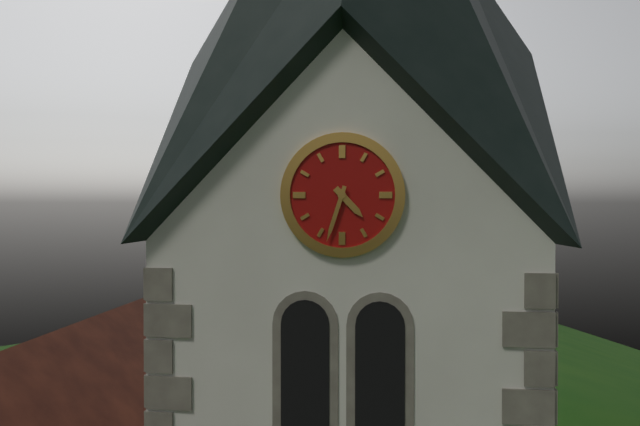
4:33
